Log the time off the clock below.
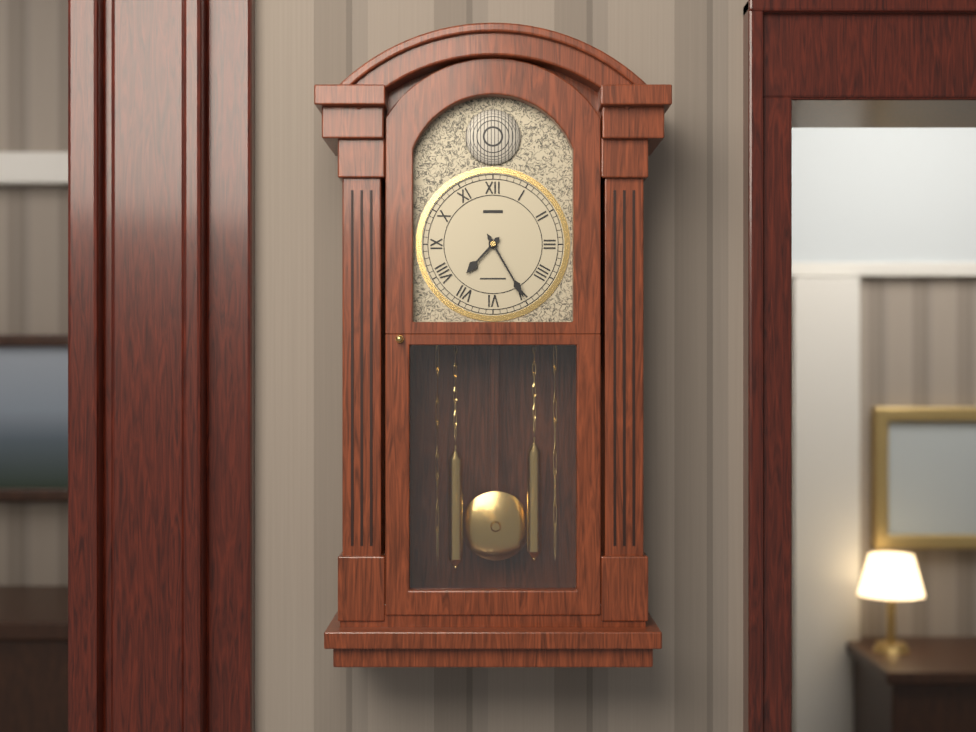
7:25
